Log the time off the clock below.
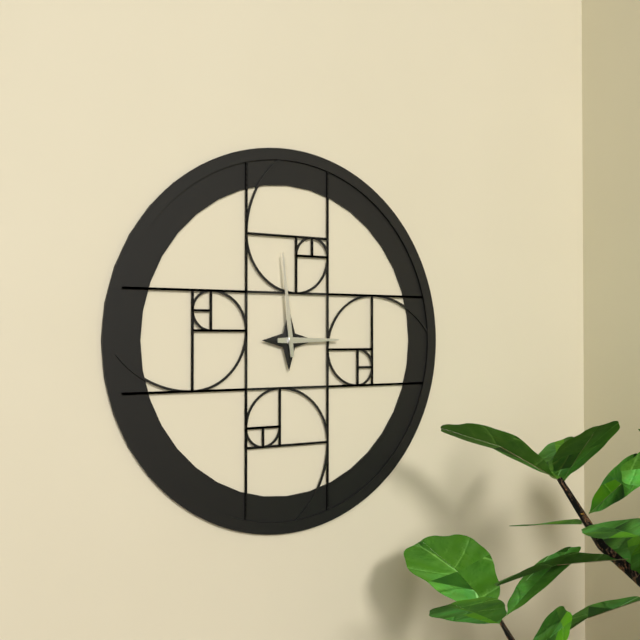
2:59
